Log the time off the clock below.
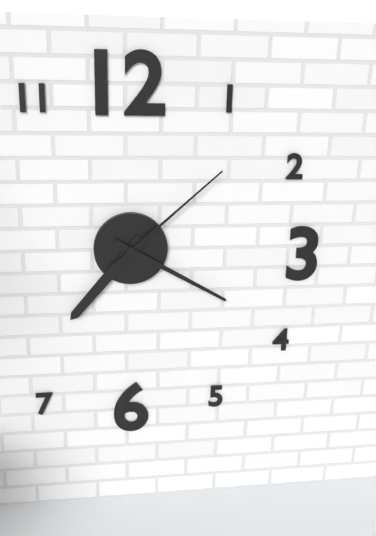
7:20:08
